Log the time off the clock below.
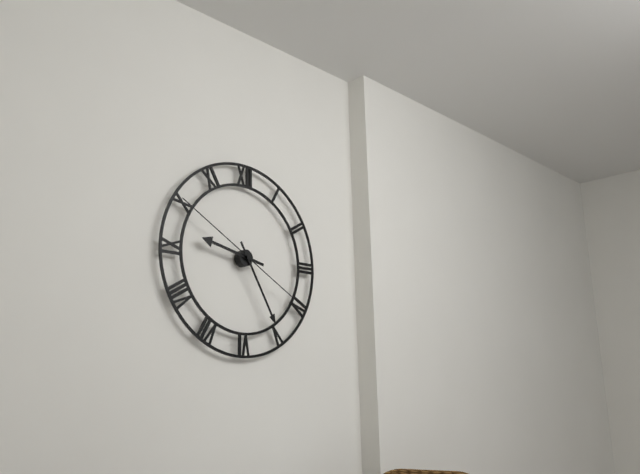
9:25:50
